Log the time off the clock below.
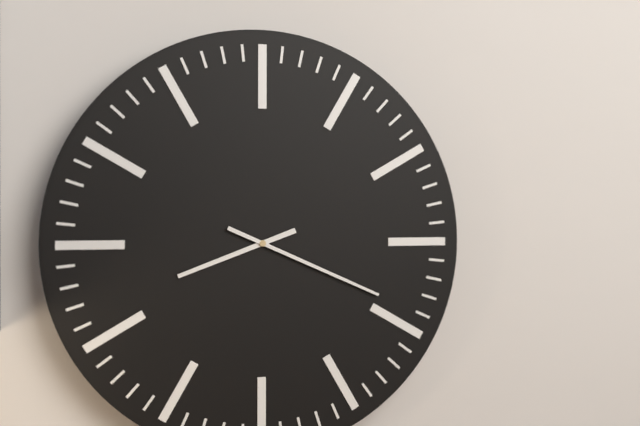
8:19
